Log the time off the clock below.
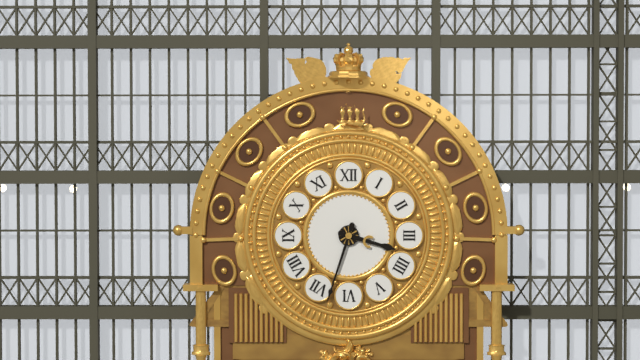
3:33
